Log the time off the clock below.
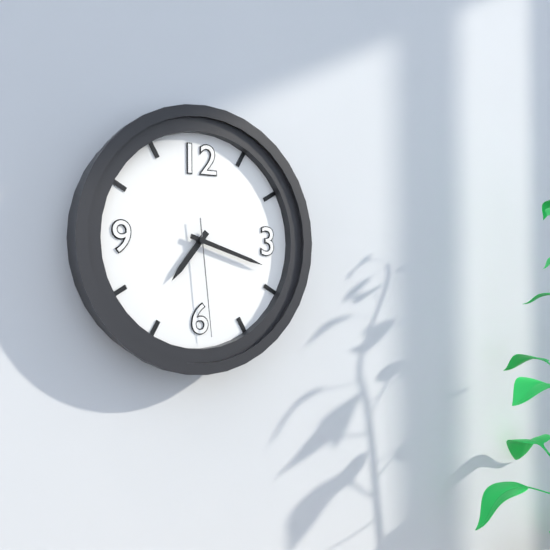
7:18:29
